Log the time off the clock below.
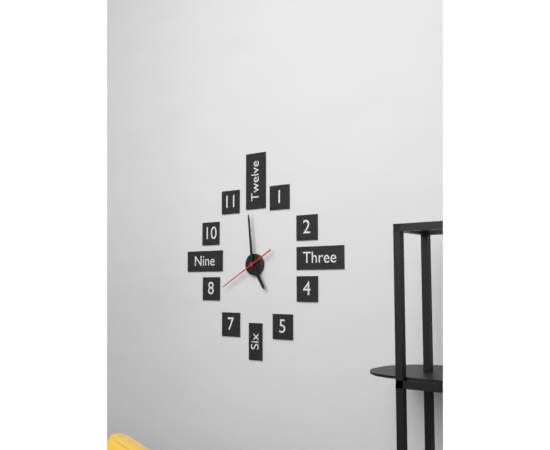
4:59
